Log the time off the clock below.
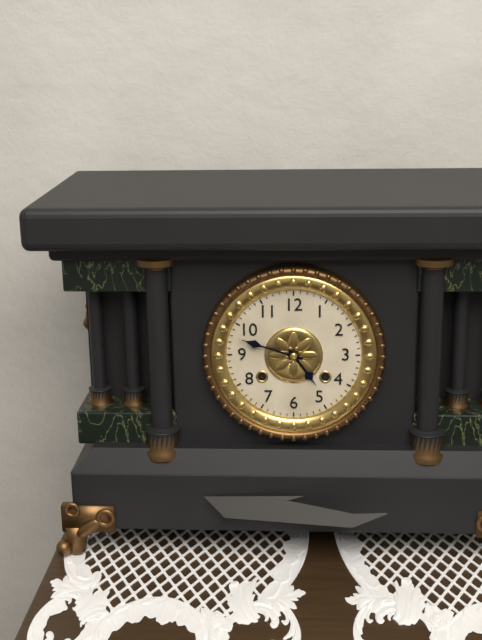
4:48
